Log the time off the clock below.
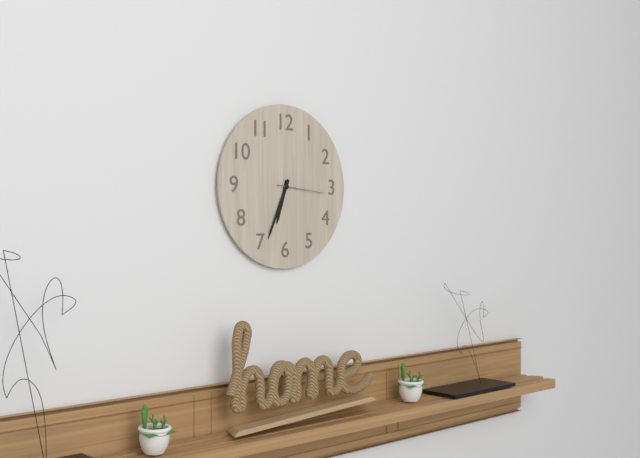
6:34:16
